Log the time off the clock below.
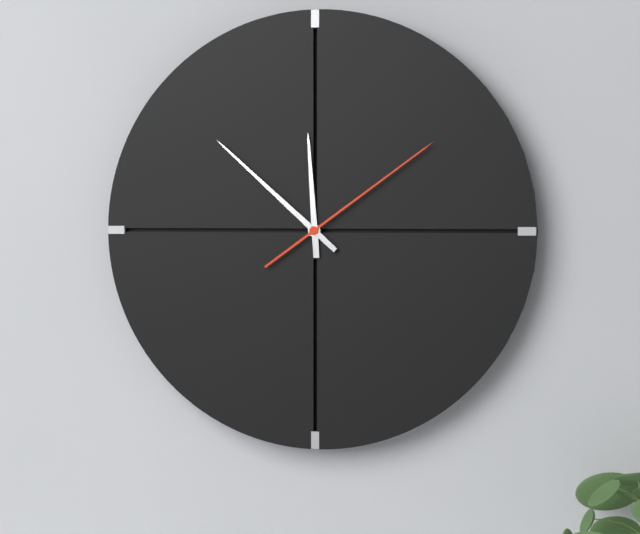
11:52:09
